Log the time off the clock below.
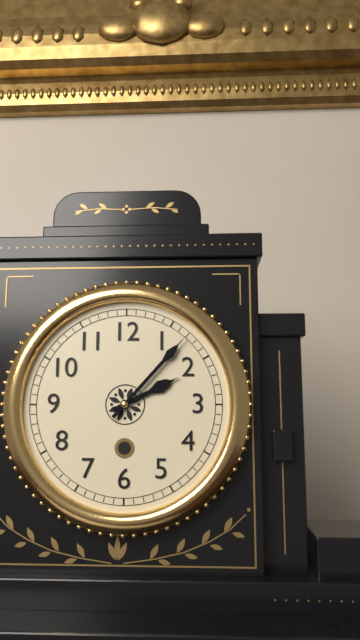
2:07
